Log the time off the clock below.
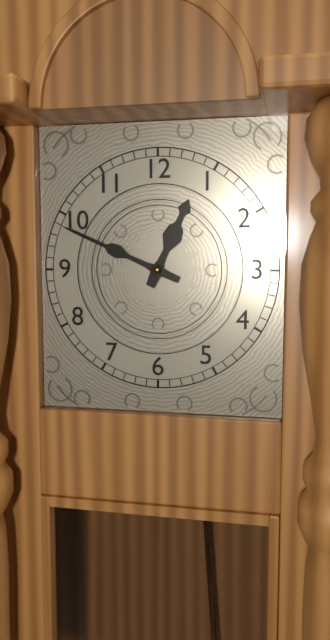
12:49
